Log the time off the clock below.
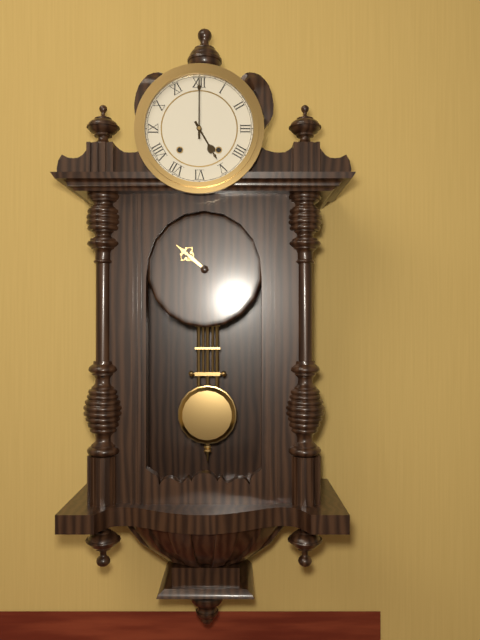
5:00
